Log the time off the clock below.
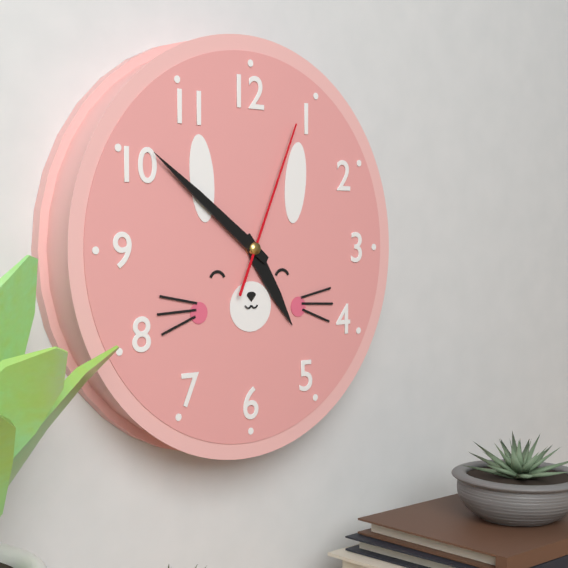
4:51:04
